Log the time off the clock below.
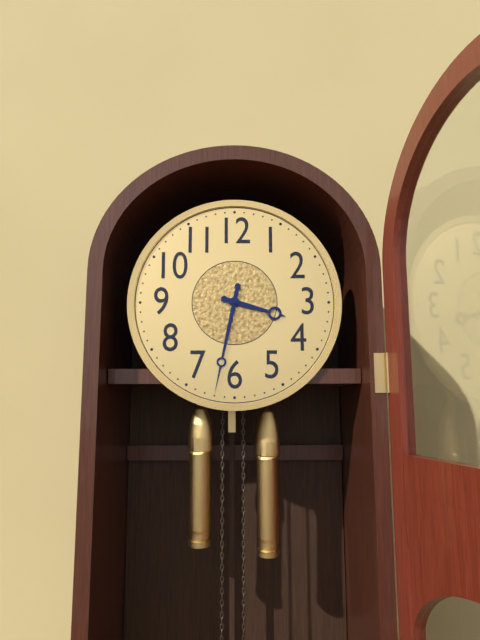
3:32
